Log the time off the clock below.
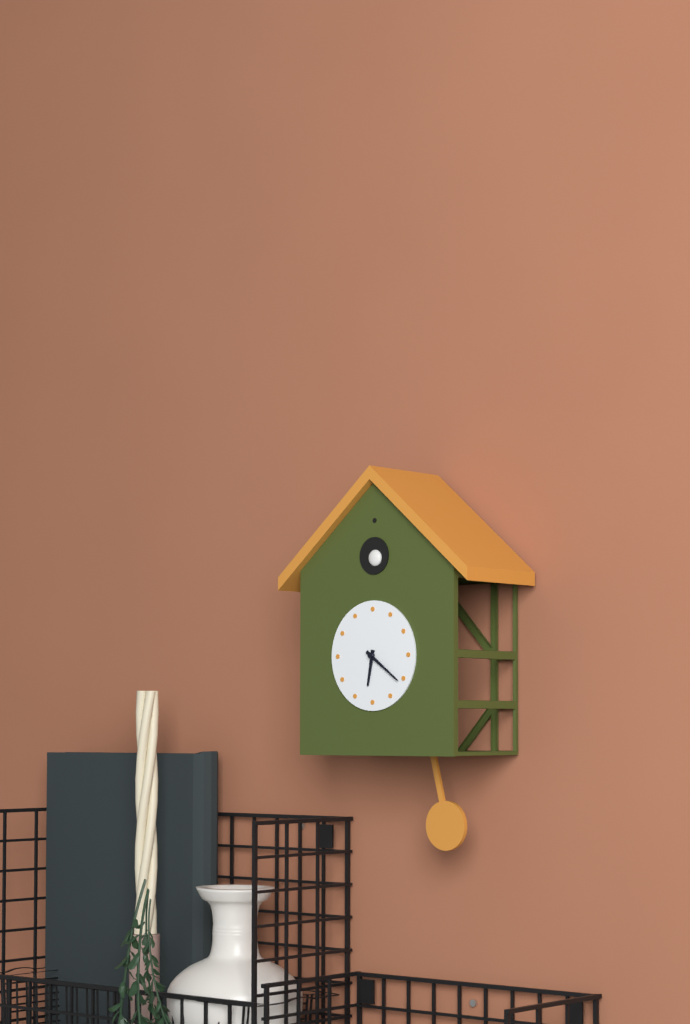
6:21
